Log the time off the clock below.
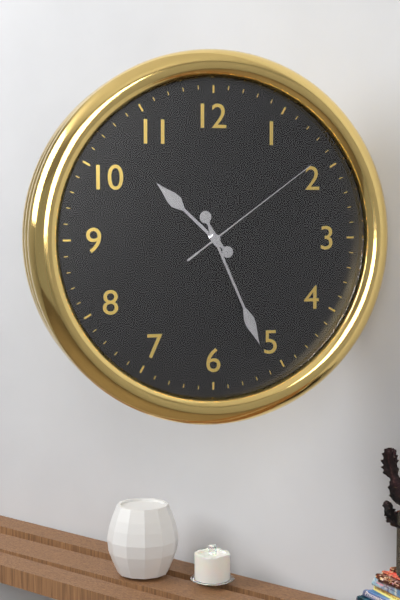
10:26:09
